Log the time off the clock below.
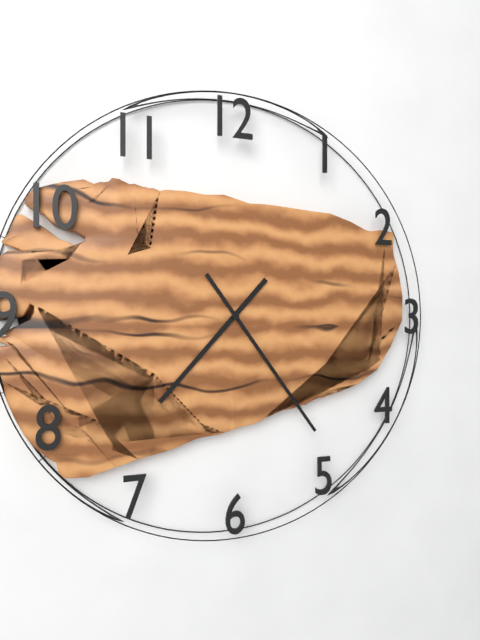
7:24
